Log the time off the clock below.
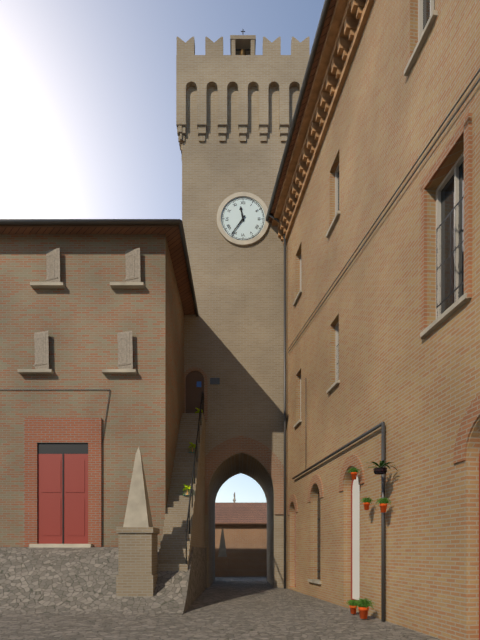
11:36
